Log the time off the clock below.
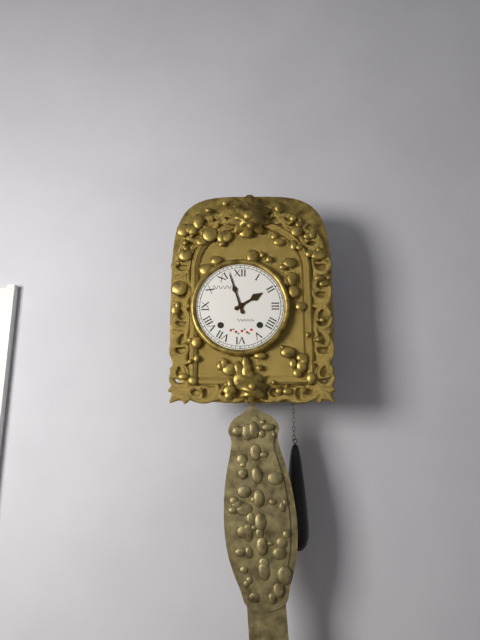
1:57
